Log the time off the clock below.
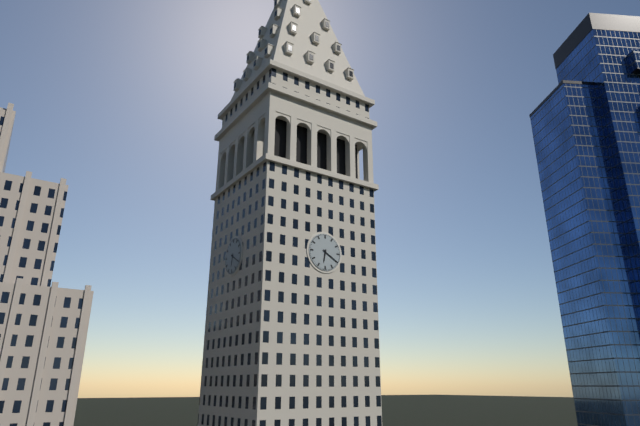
6:20
